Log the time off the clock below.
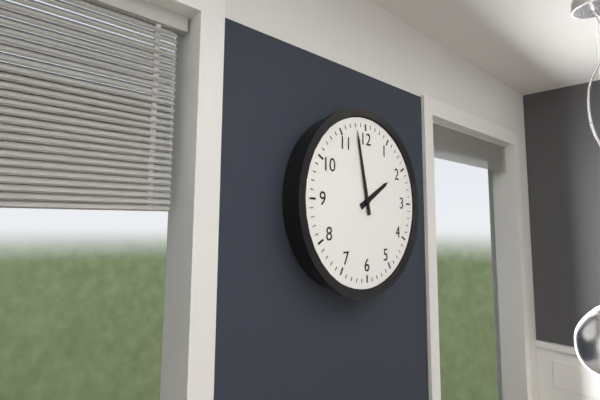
1:58
